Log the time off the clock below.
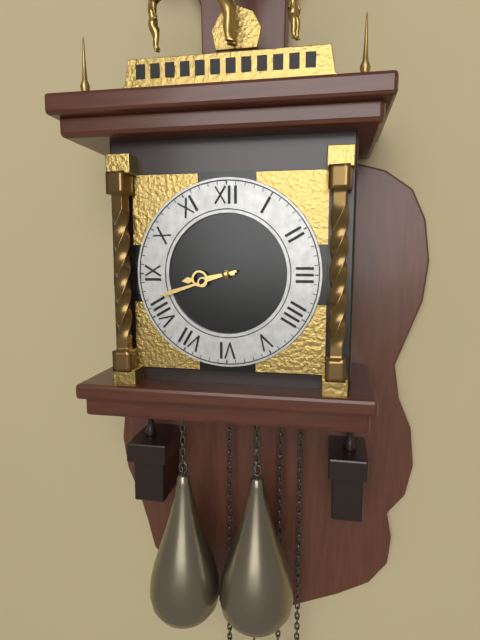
8:42
